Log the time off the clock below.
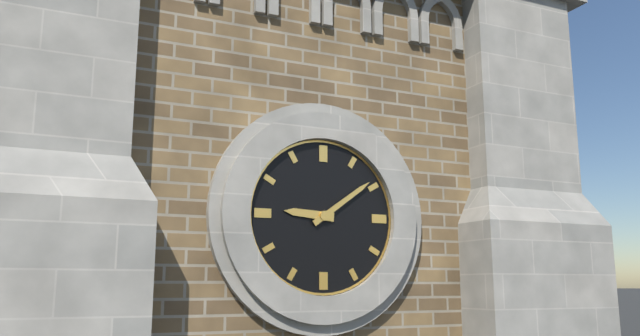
9:09
